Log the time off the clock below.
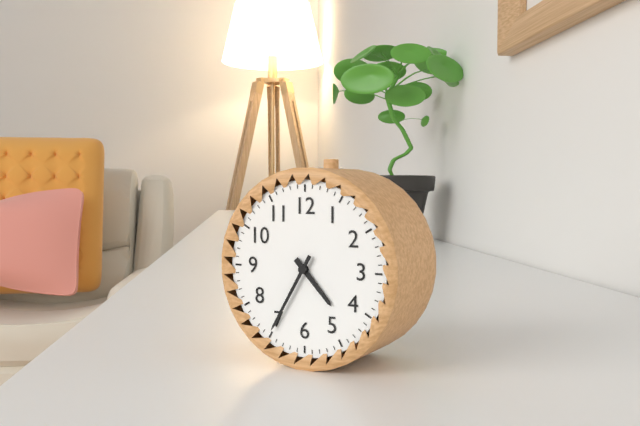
4:35
